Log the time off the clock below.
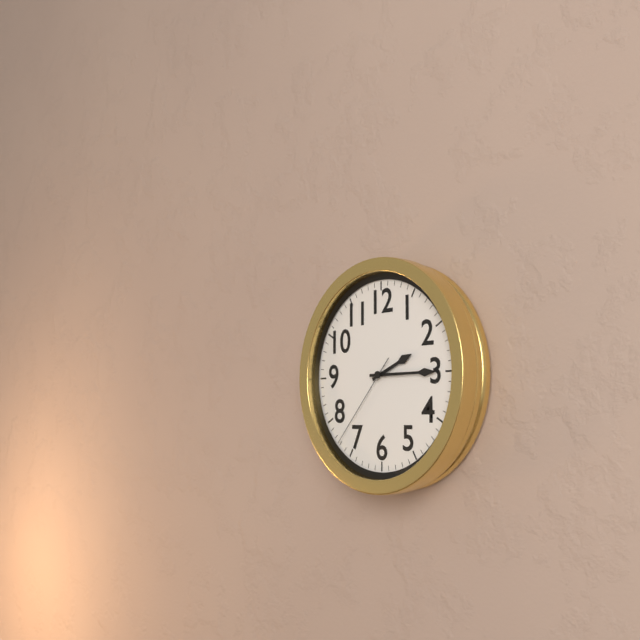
2:15:37
